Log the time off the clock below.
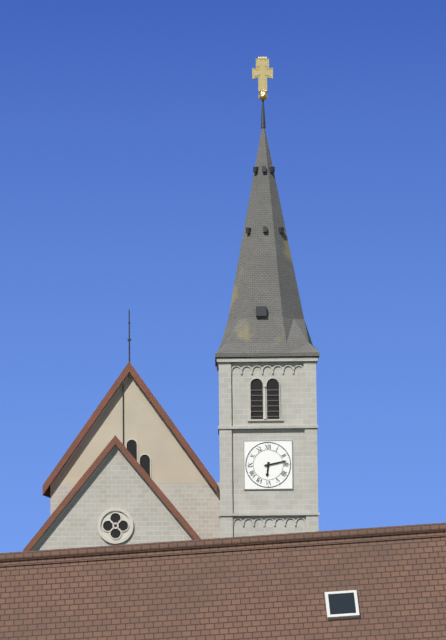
6:13
